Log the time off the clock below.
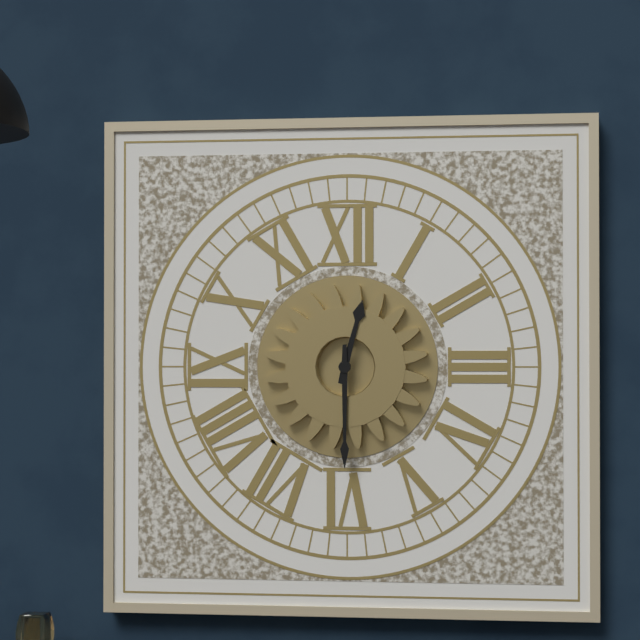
12:30
